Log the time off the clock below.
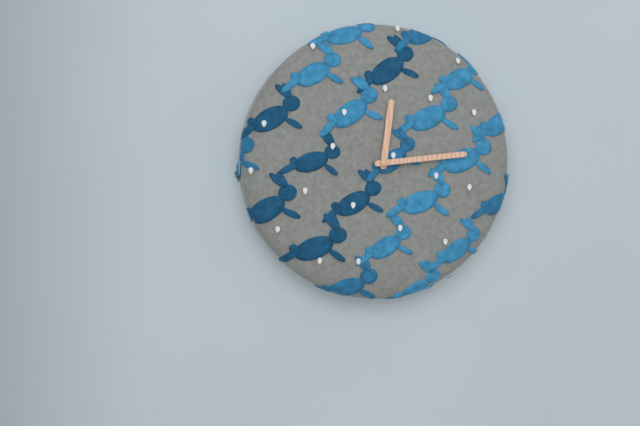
12:14
